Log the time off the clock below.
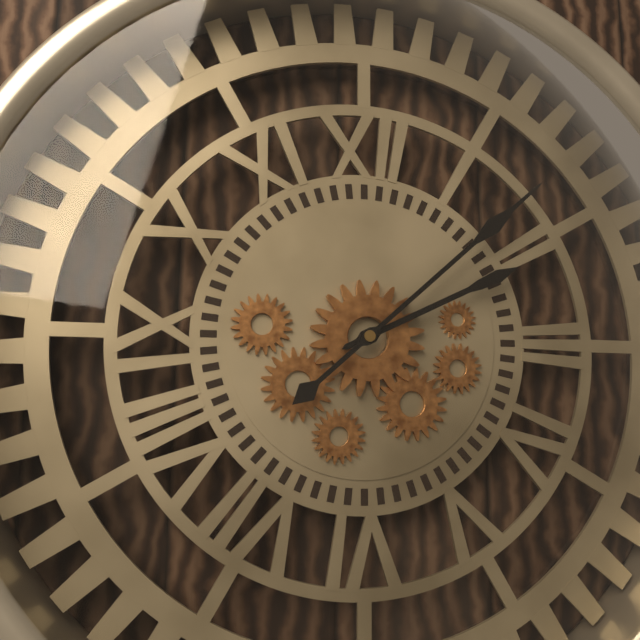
2:08
